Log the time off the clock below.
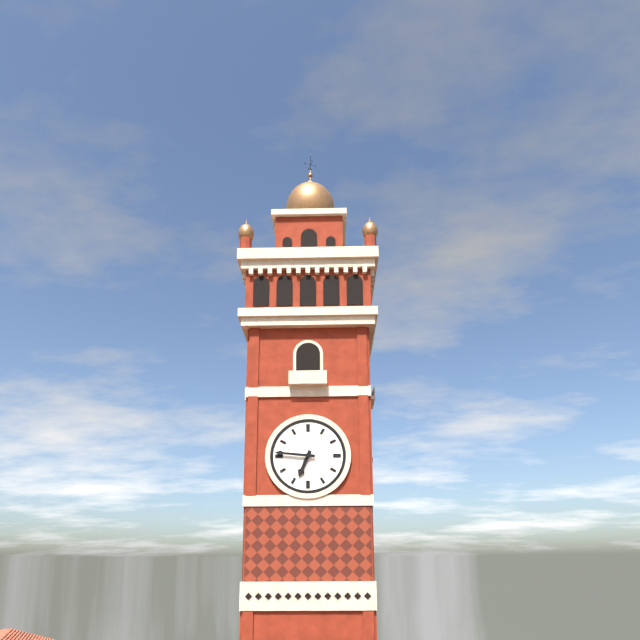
6:46
